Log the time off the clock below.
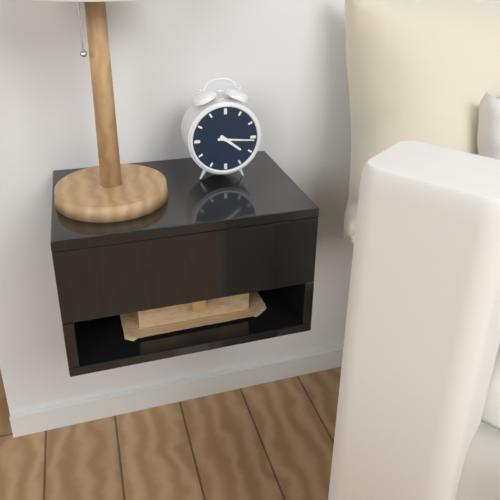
4:16
